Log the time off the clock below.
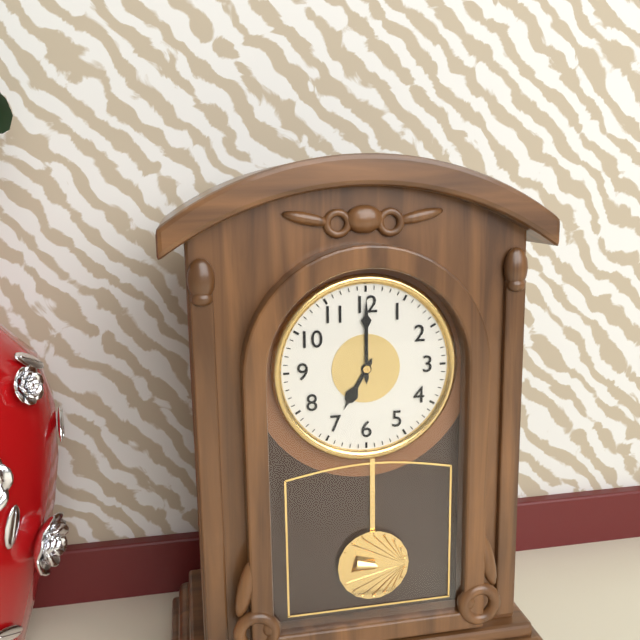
7:00
